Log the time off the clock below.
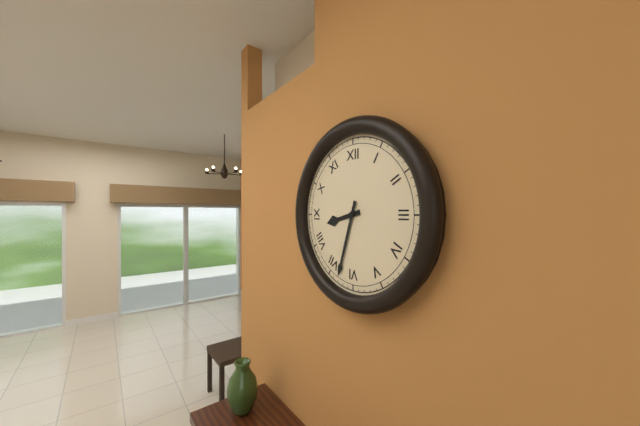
8:33
